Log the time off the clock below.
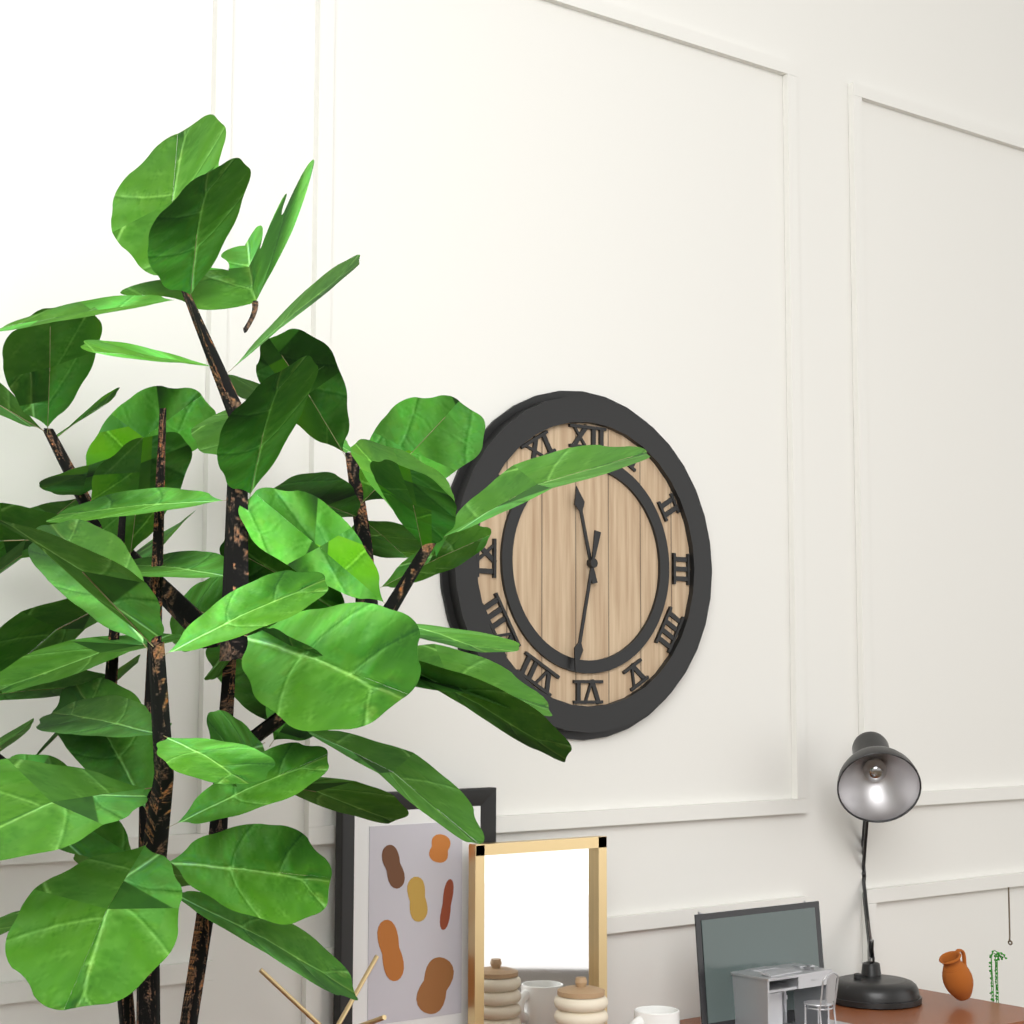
11:32
